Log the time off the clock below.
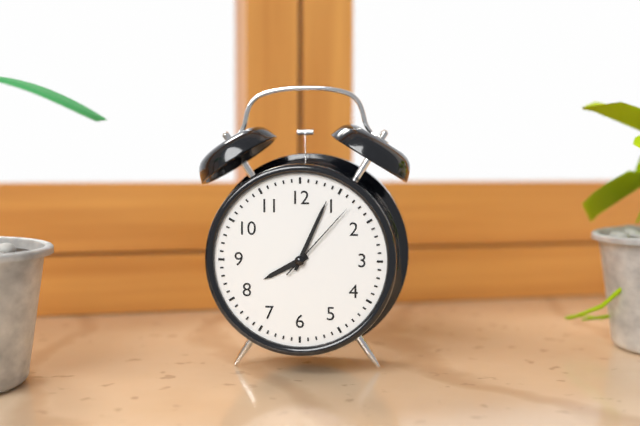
8:04:07
